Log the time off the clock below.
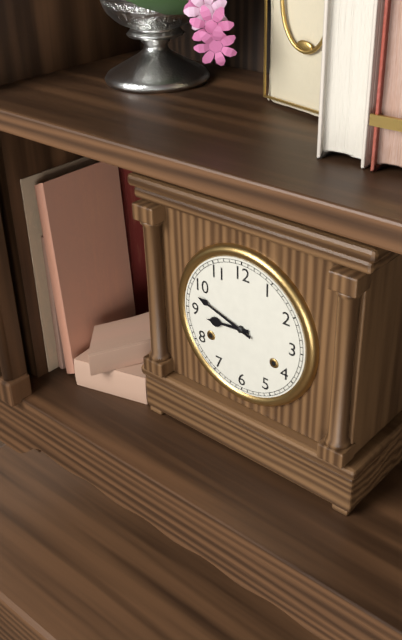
8:48
